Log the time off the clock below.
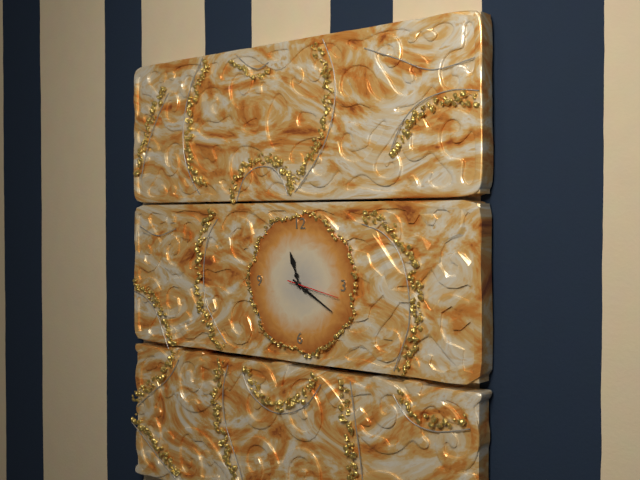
11:20
